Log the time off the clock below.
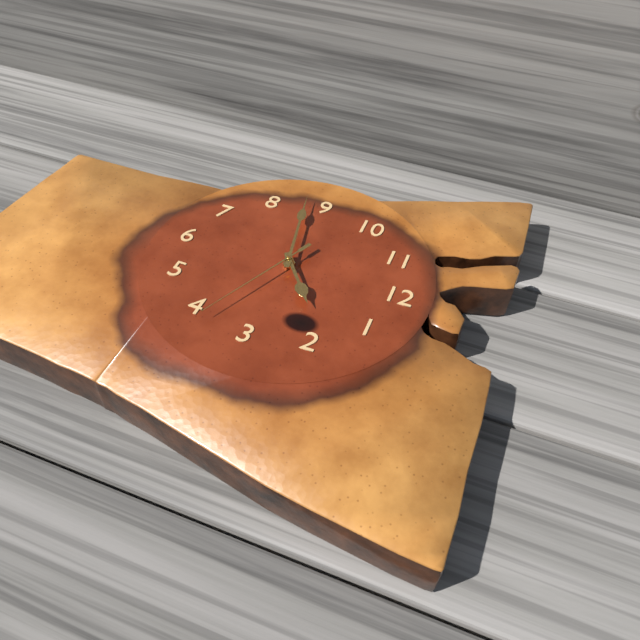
1:43:19
